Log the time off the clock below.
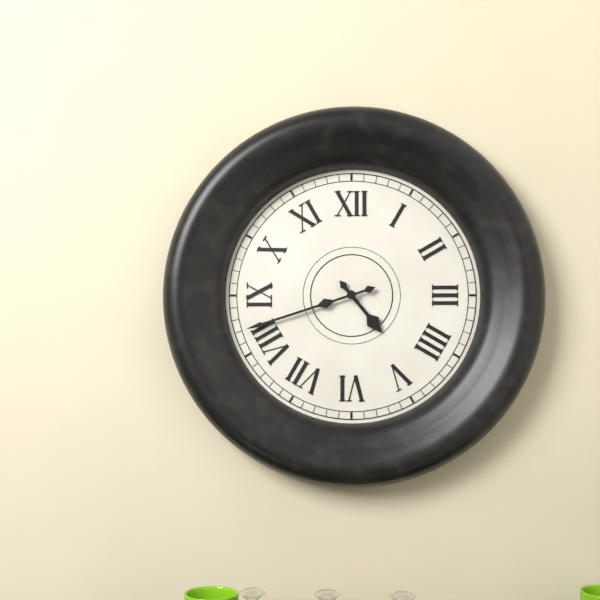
4:42
